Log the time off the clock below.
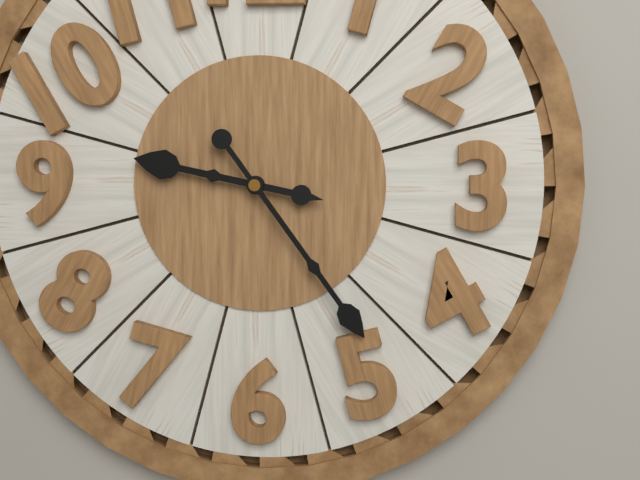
9:24
